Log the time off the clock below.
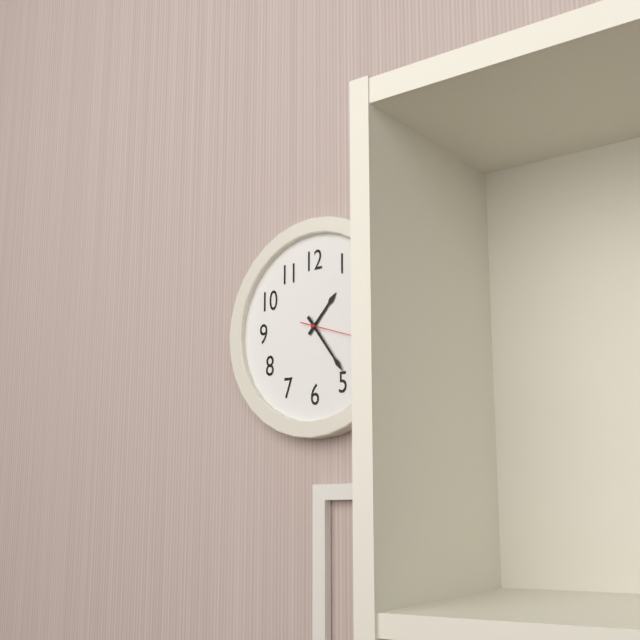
1:24
